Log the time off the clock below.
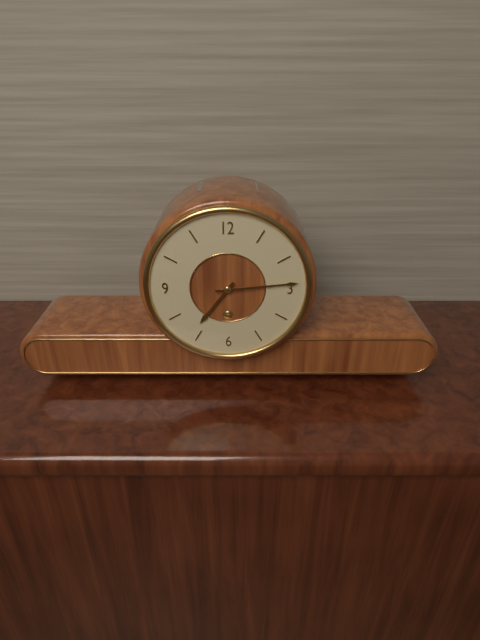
7:14
